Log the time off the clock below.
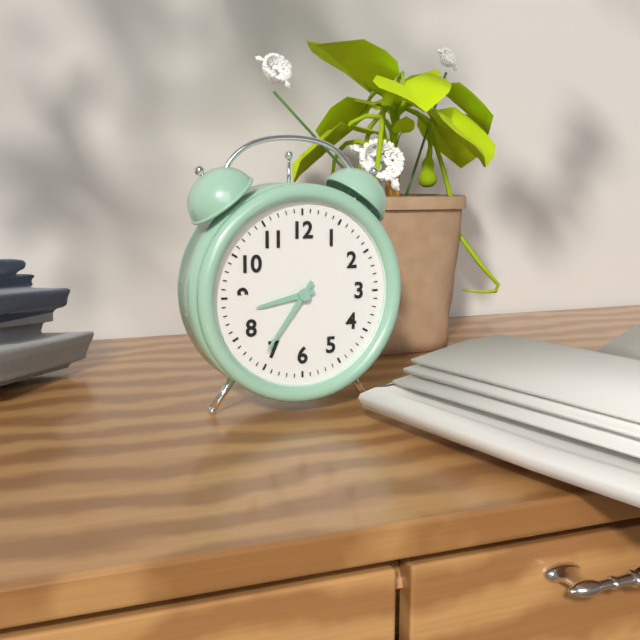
8:36
